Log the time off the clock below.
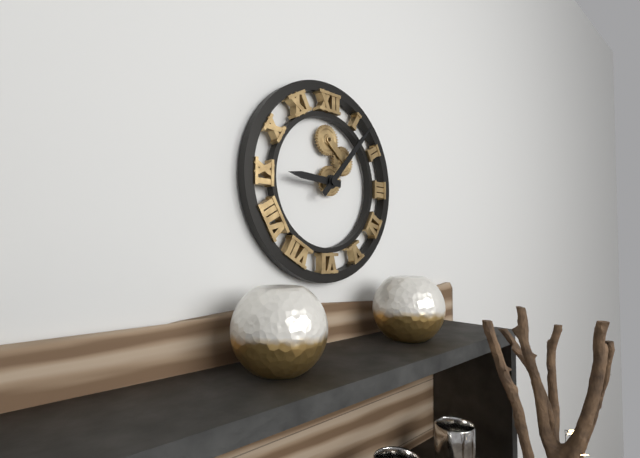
9:07
